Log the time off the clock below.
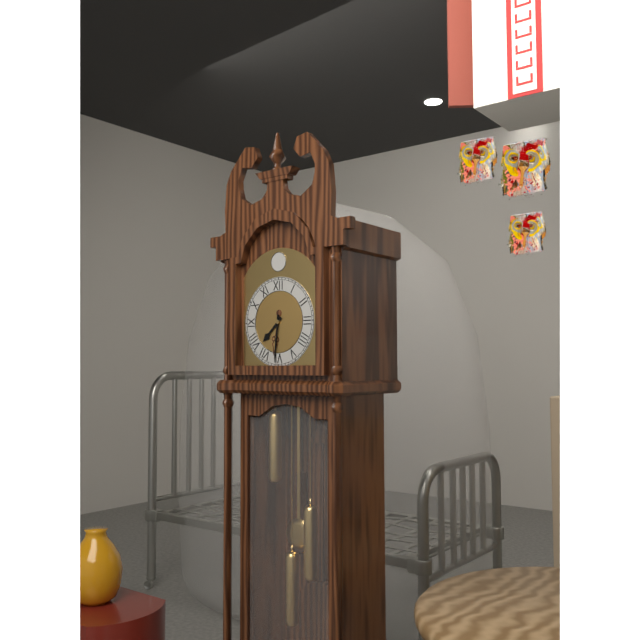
7:31
